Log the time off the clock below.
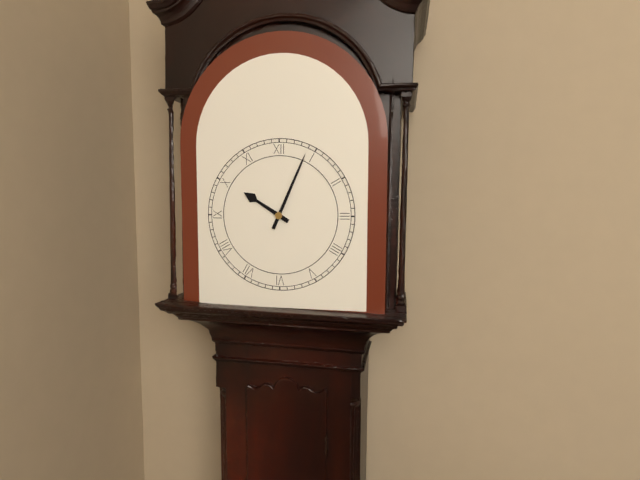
10:04
